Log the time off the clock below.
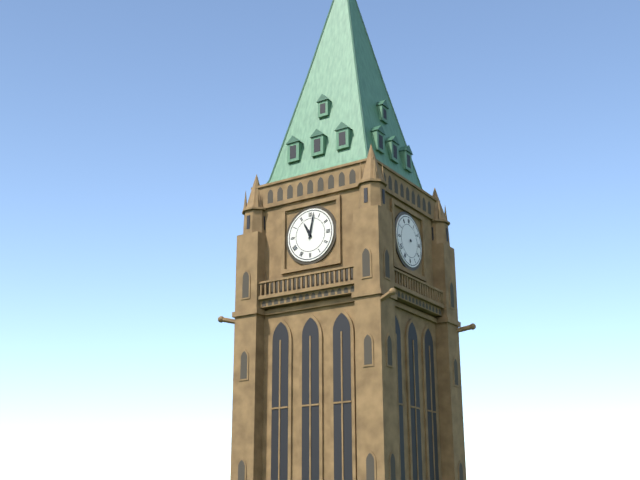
11:02
